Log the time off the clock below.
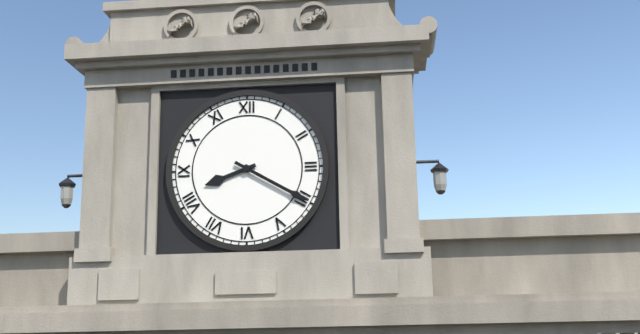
8:20
